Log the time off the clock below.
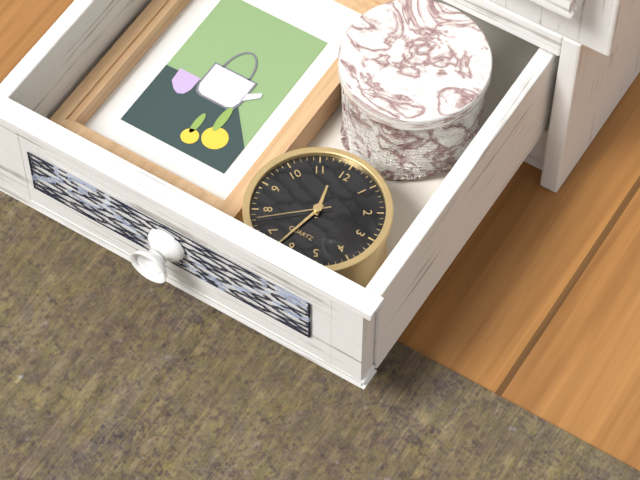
11:32:38
